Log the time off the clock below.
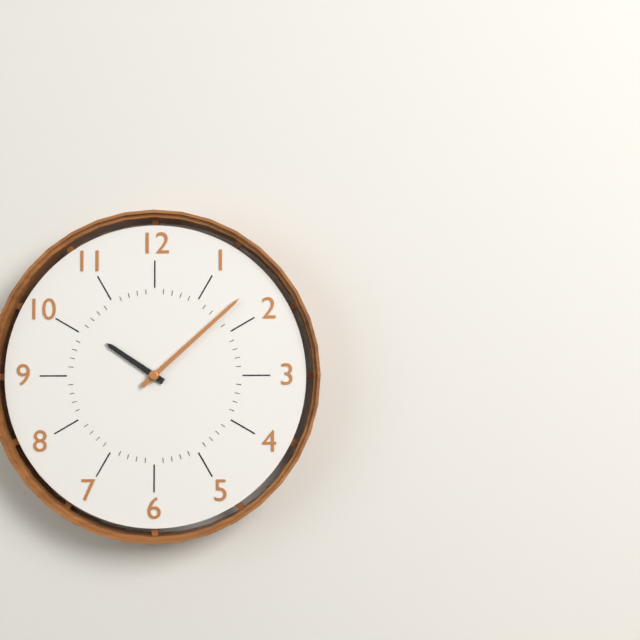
10:08
